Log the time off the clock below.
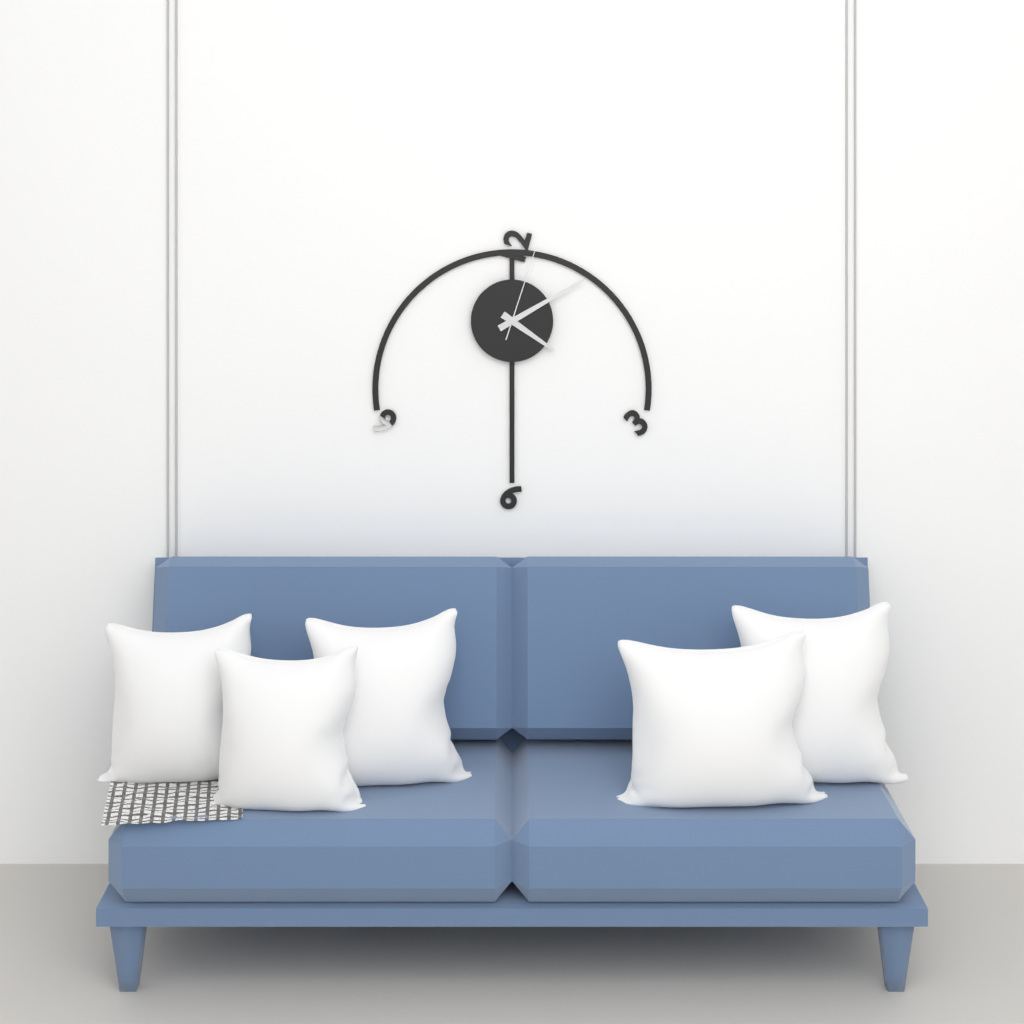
4:10:03
